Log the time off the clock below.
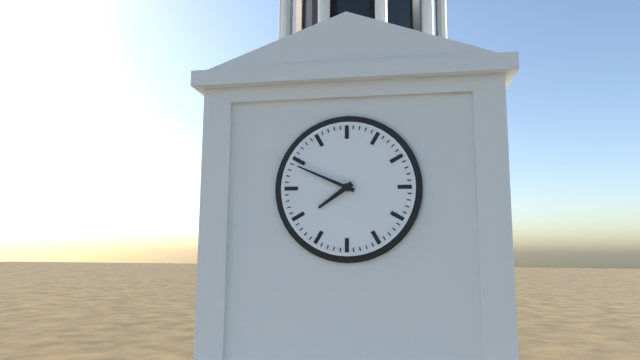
7:49
